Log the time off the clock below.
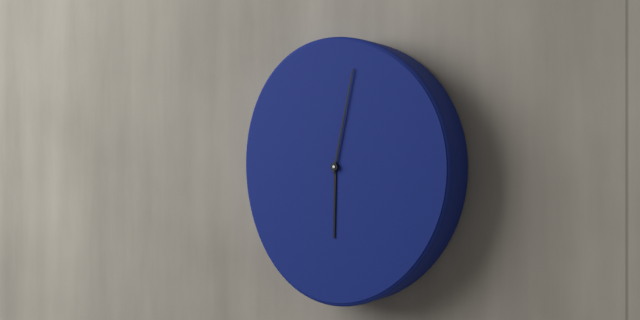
6:02
